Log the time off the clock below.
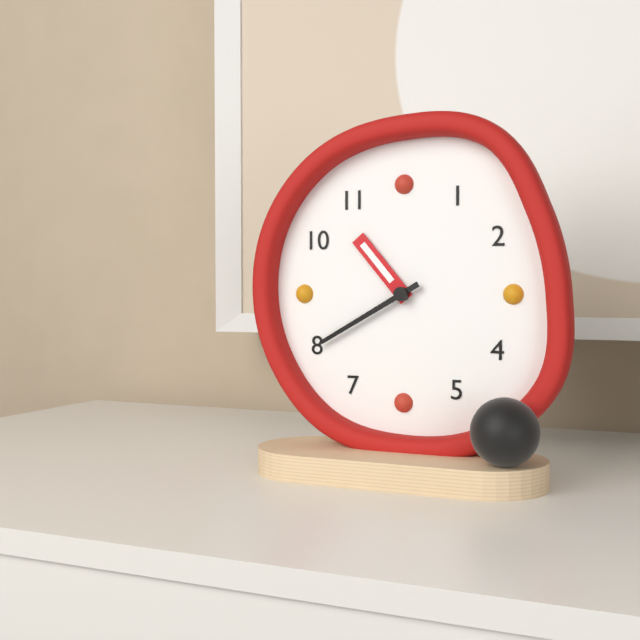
10:40
